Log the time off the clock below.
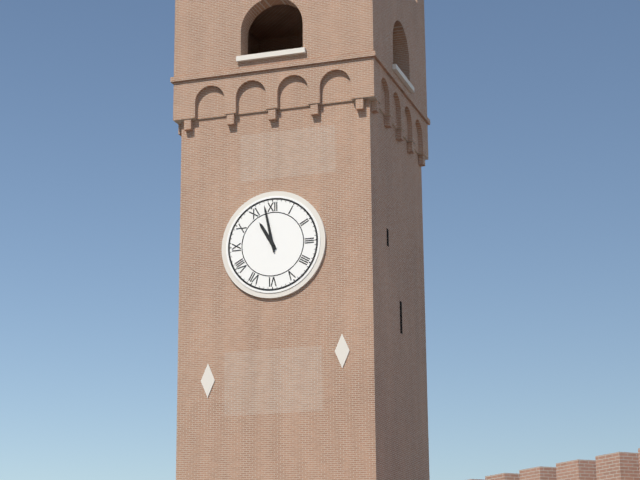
10:58
